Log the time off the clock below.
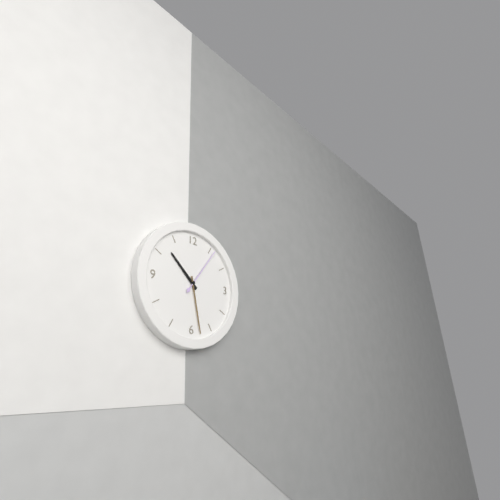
10:28
